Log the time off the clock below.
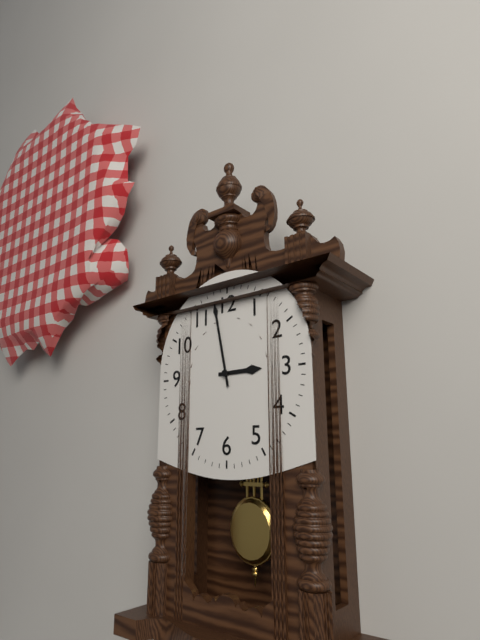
2:58
